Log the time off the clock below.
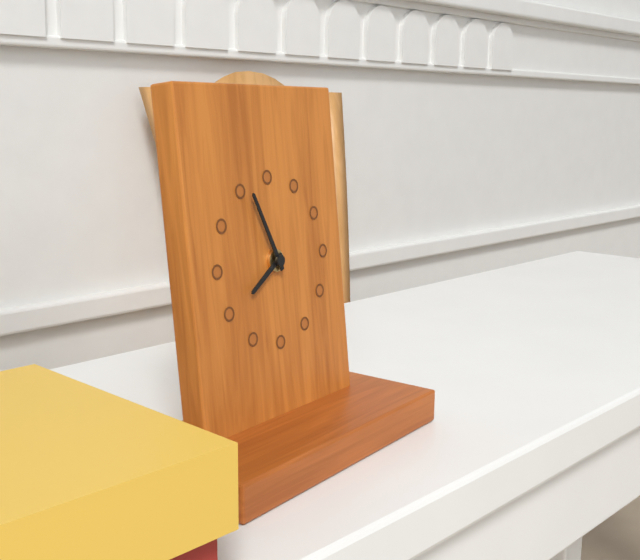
7:56
